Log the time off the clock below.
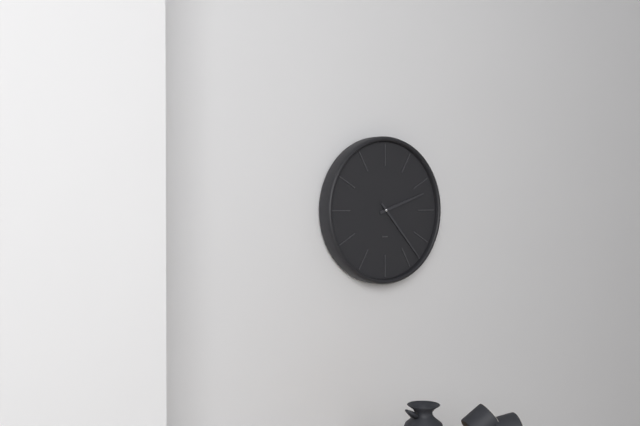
2:23
